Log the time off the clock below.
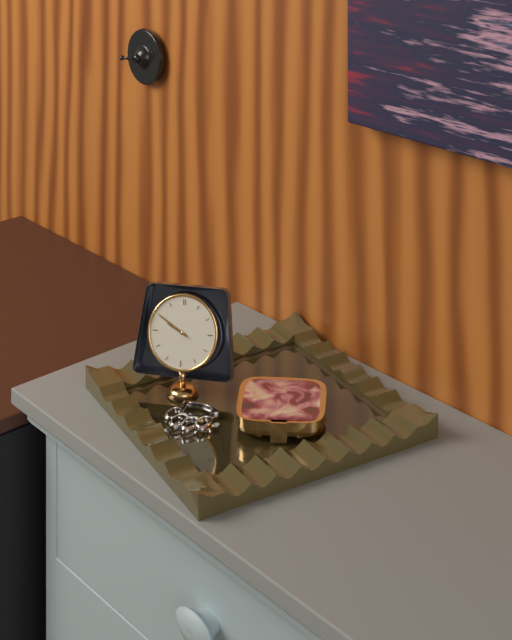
9:50
